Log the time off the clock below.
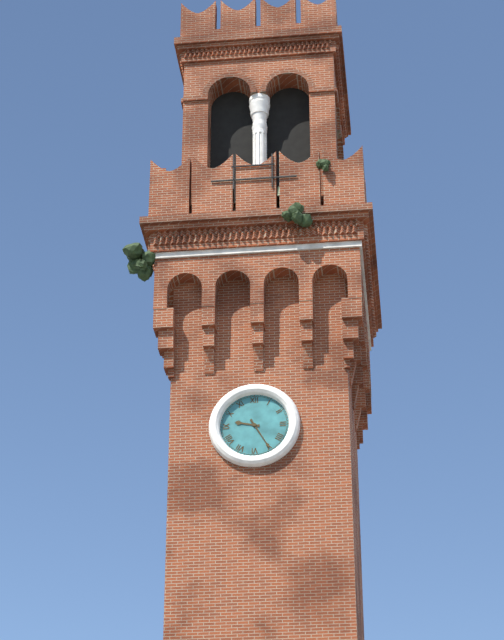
9:25
